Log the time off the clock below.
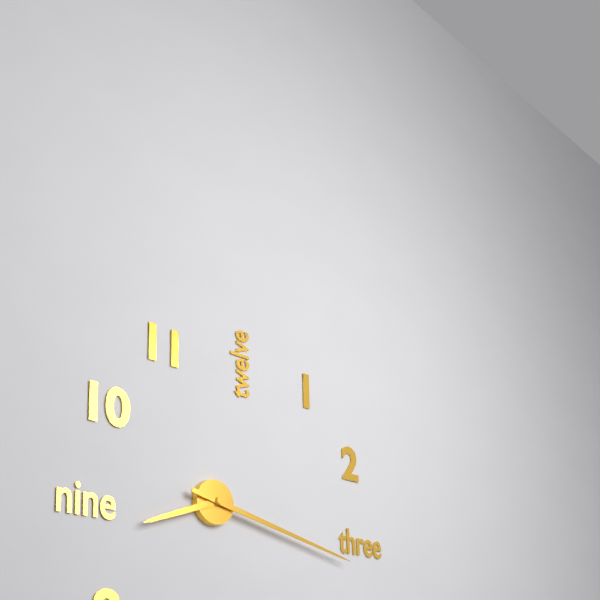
8:17
